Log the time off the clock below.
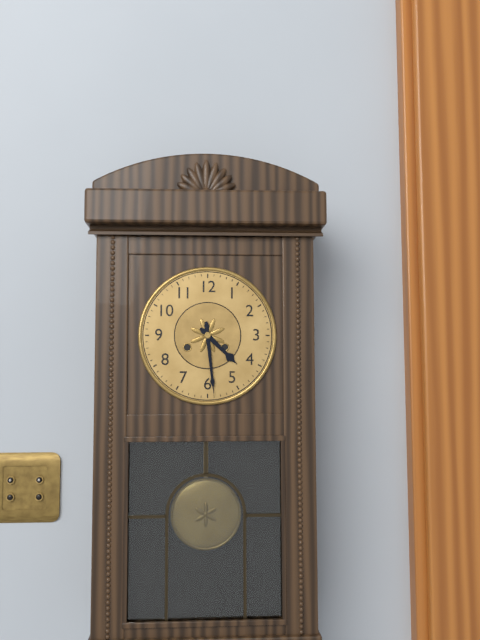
4:29
